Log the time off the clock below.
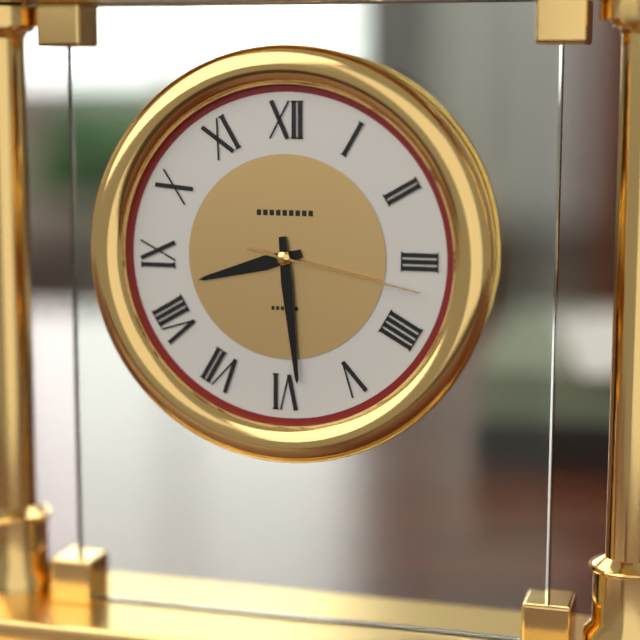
8:29:17
